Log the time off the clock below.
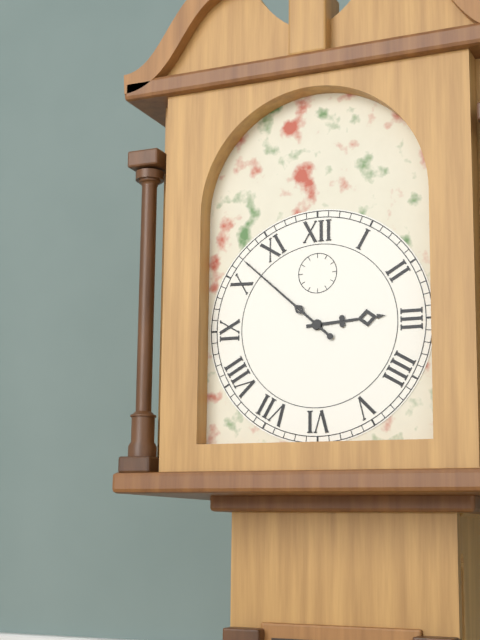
2:52
